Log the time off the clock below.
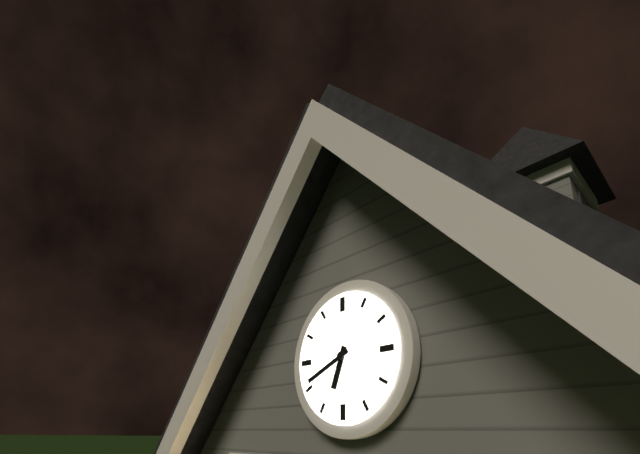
6:41
